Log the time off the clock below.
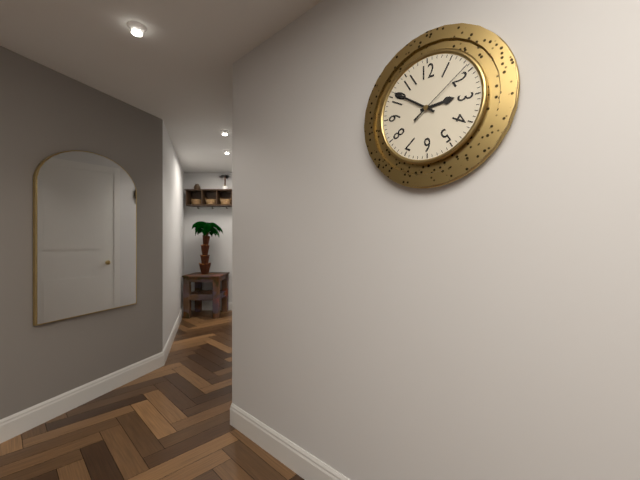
2:51:09
